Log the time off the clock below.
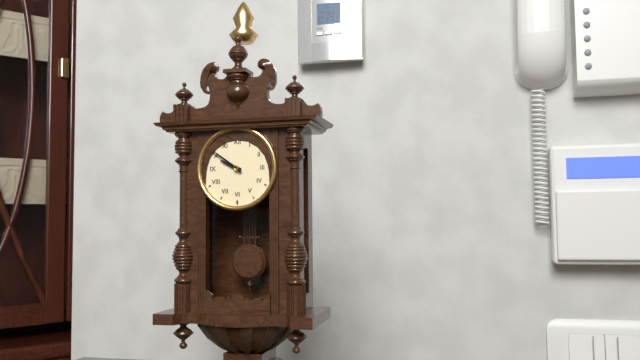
9:51
